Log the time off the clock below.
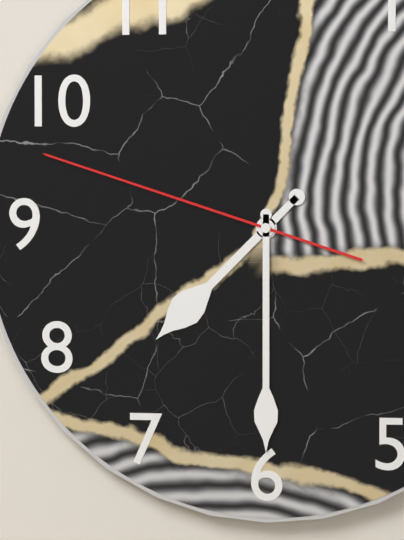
7:30:48
